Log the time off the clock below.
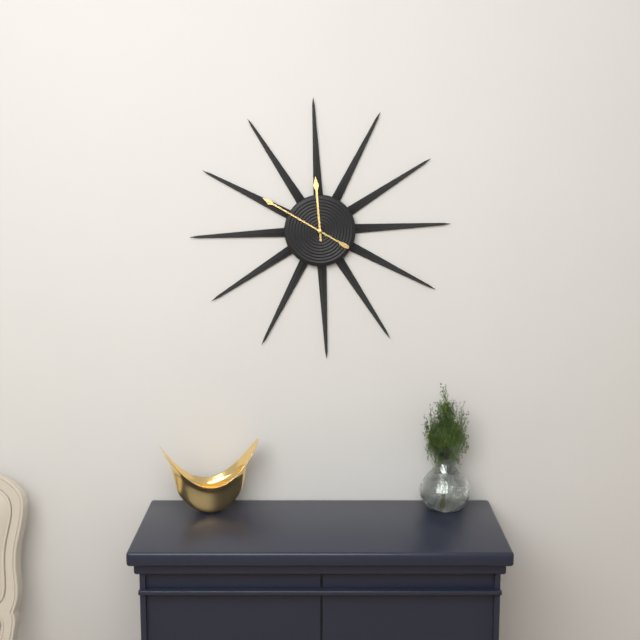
11:50
